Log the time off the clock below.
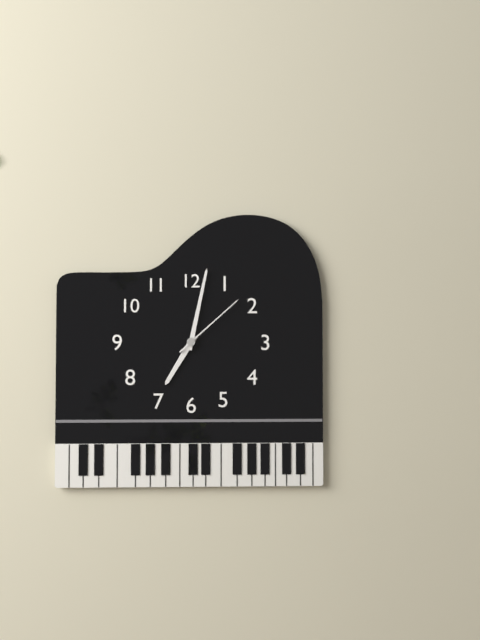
7:02:08
